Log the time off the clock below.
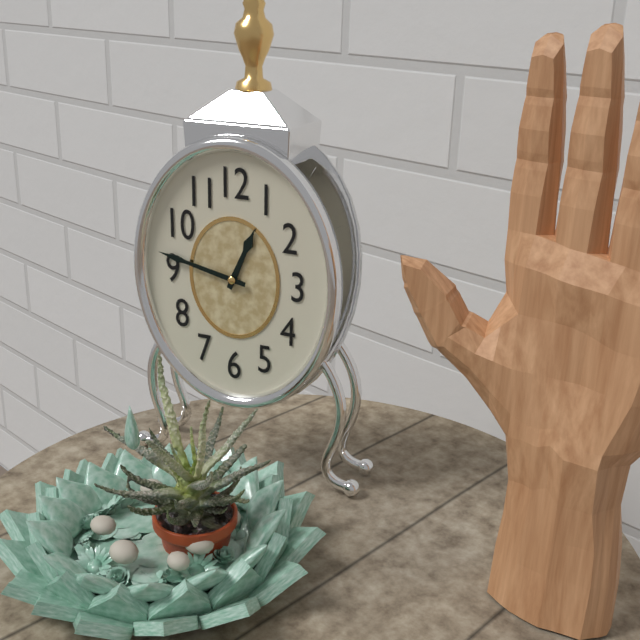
12:47
